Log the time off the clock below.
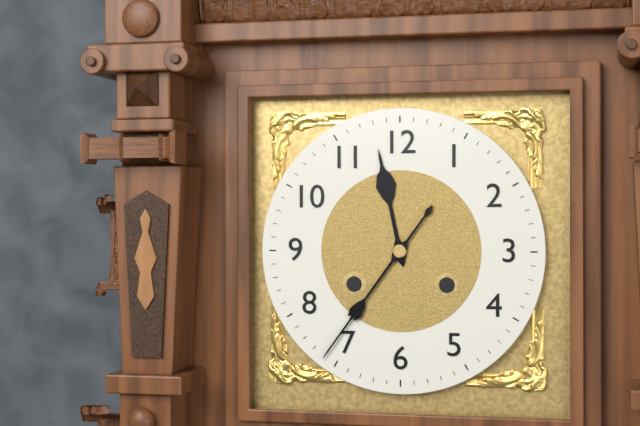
11:36
